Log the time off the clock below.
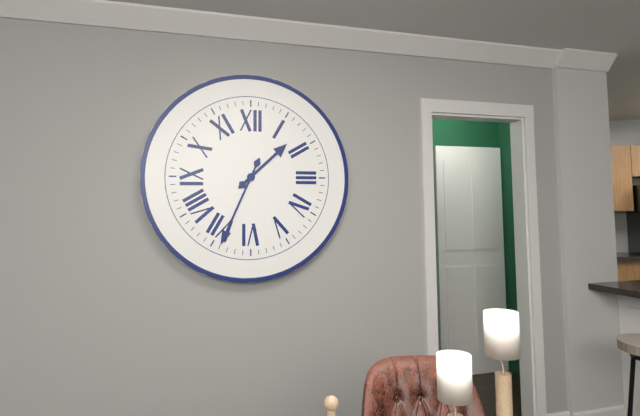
1:34
